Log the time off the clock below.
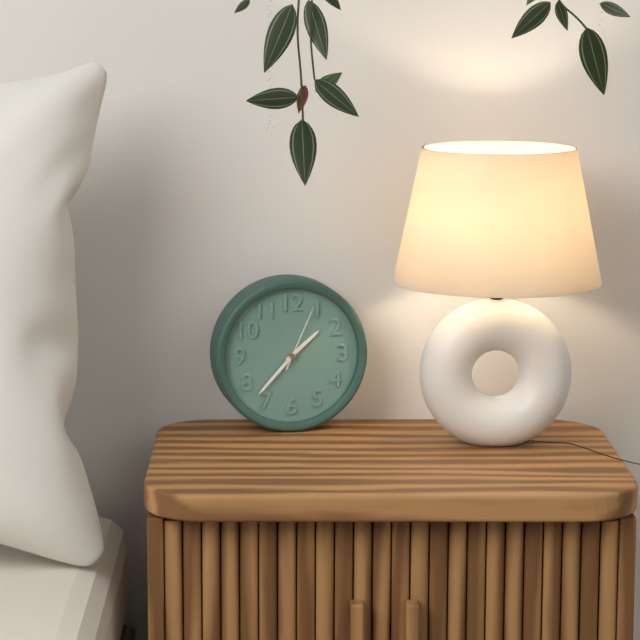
1:37:04
